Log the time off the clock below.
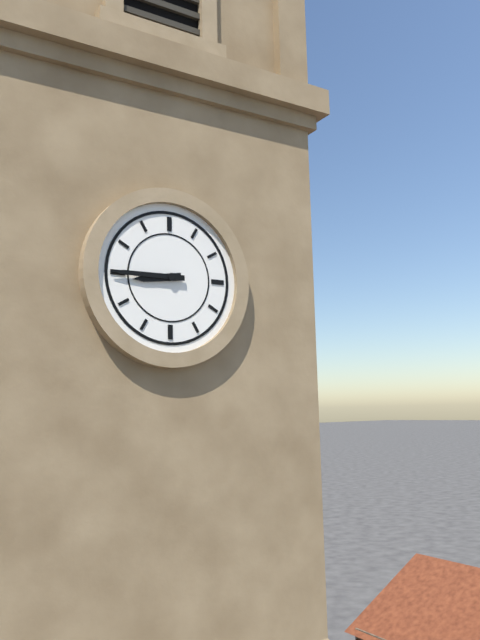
8:45
